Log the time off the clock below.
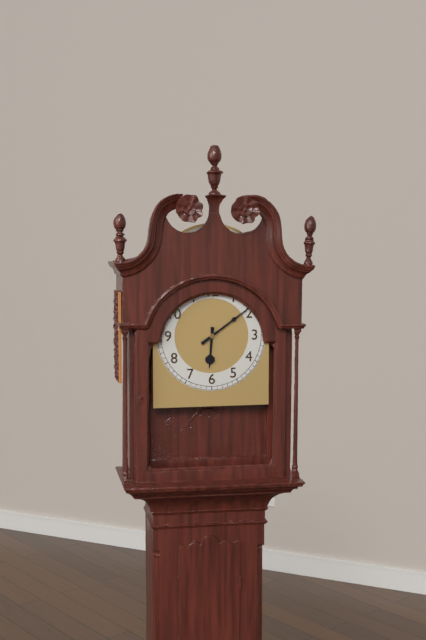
6:09
